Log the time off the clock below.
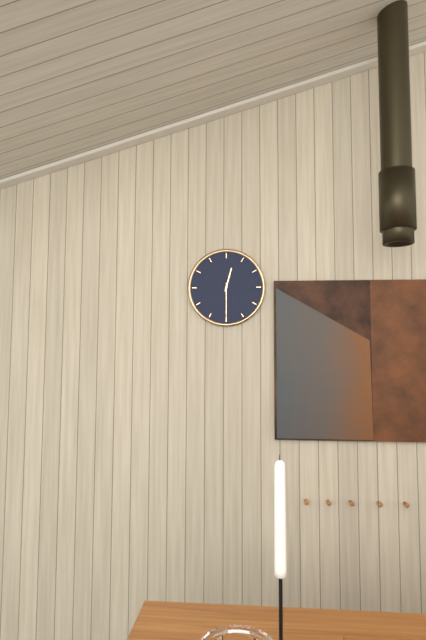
12:30
